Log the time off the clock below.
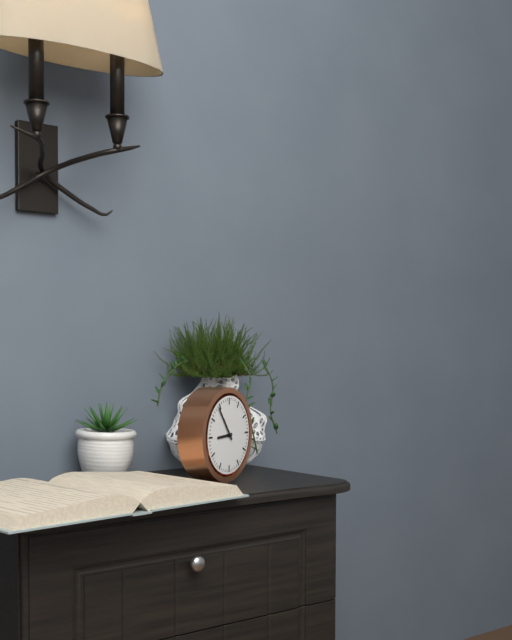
8:54
